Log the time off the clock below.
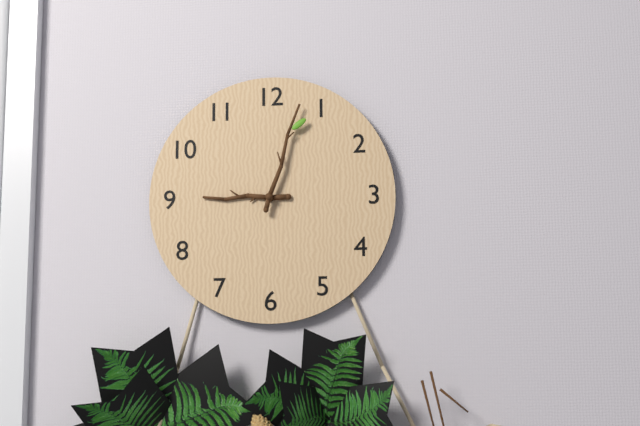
9:03
